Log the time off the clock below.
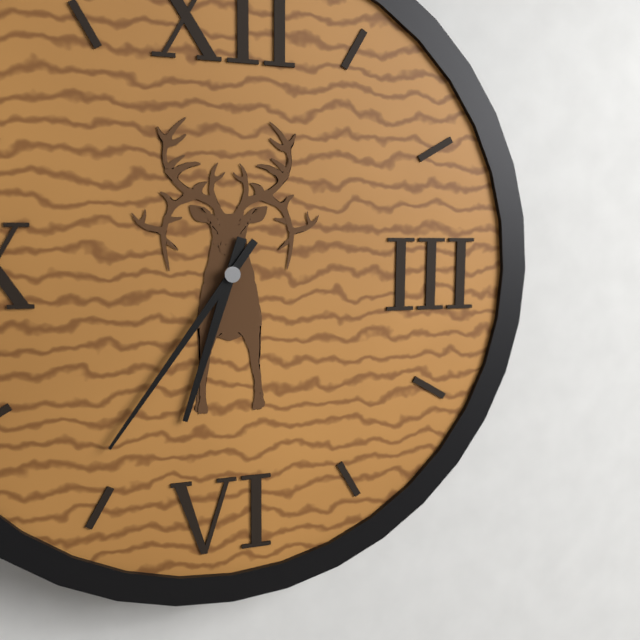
6:36
